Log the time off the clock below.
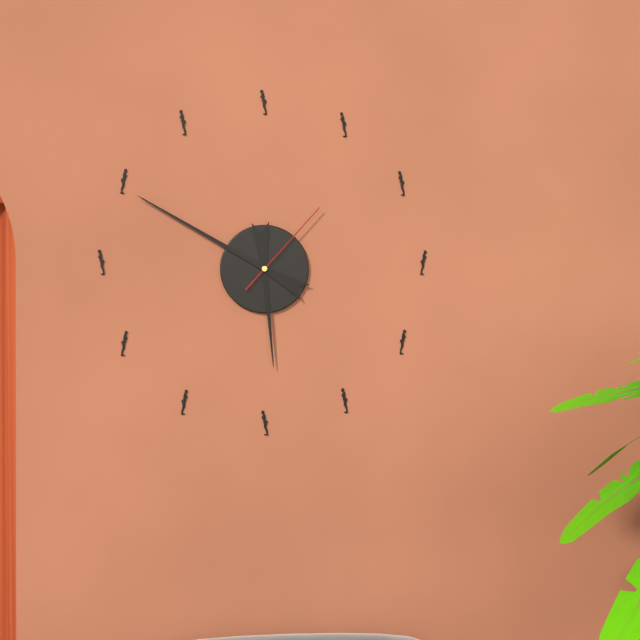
5:50:07
